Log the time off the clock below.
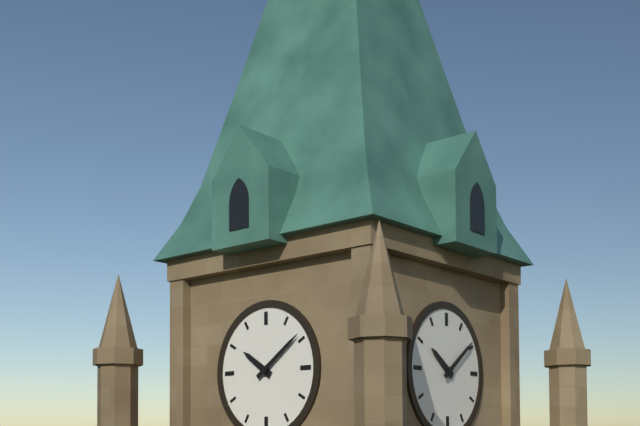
10:09
